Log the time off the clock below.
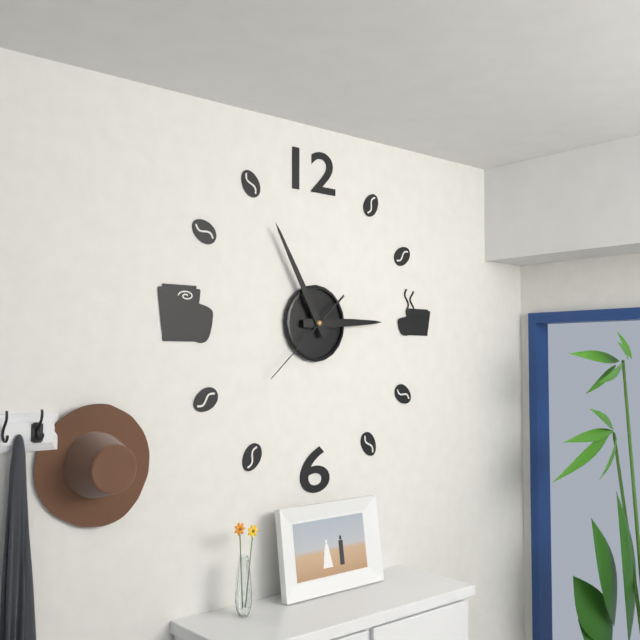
2:55:38
